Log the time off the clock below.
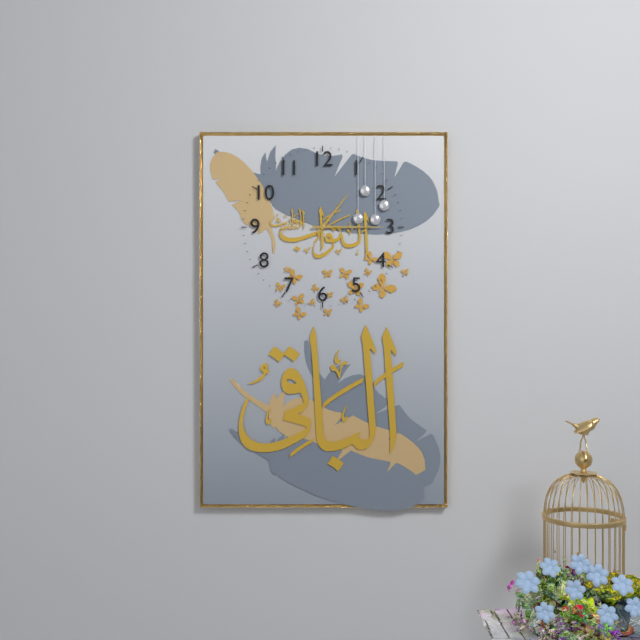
1:15
